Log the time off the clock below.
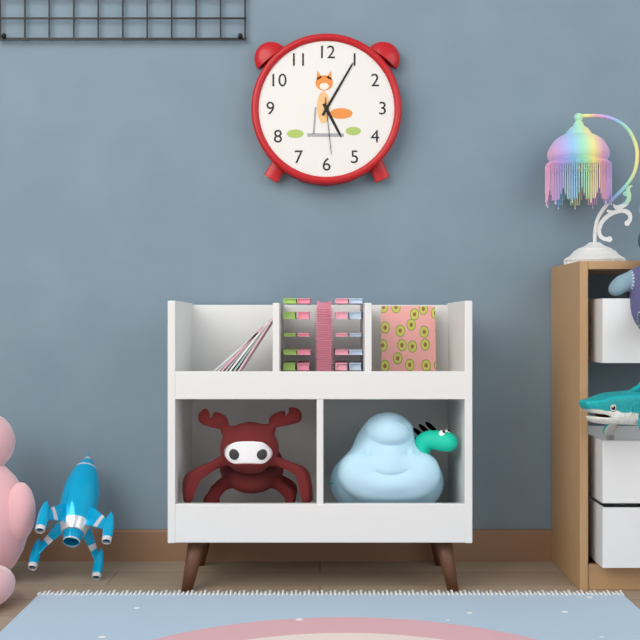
5:05:29
